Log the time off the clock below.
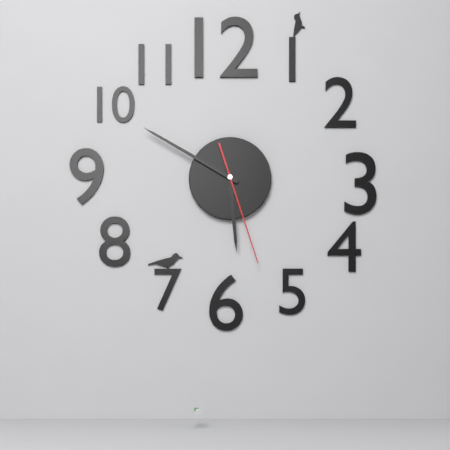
5:50:27
